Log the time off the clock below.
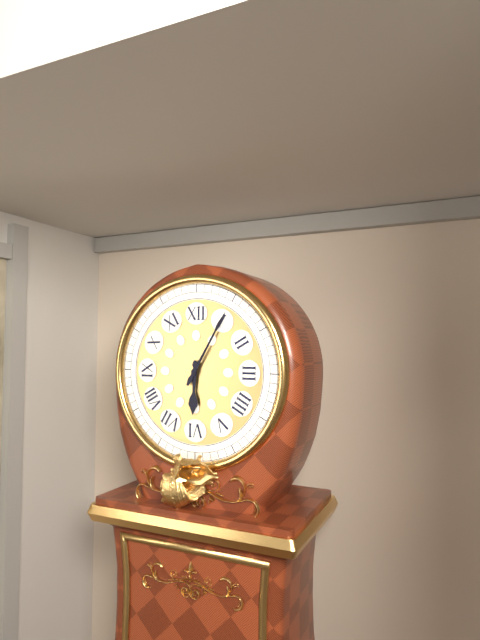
6:05
